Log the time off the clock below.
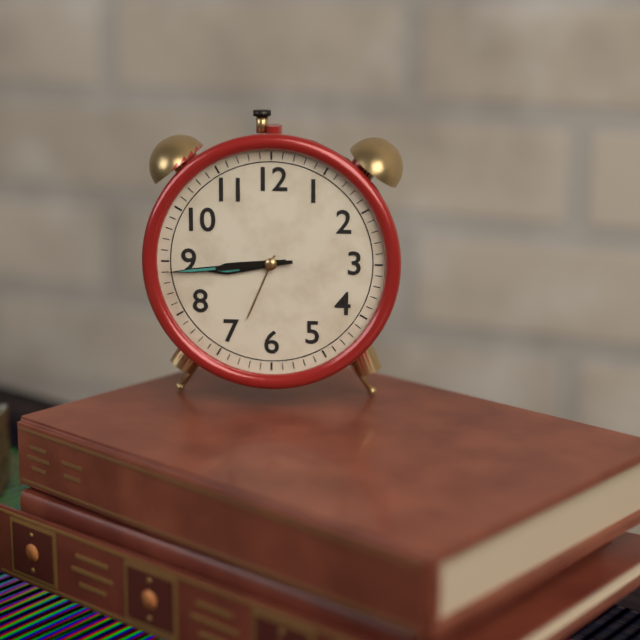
8:44
